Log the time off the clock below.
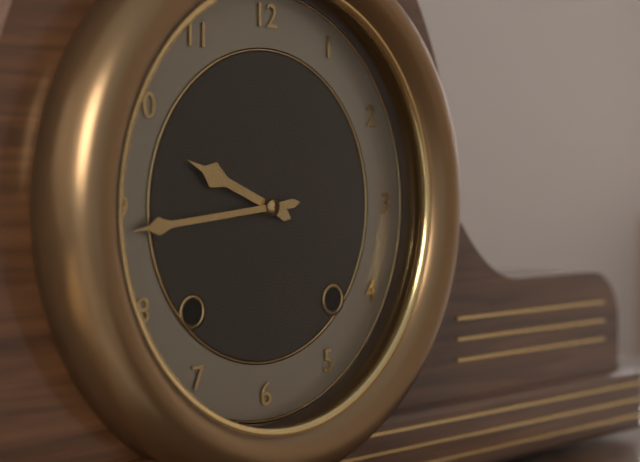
9:44
